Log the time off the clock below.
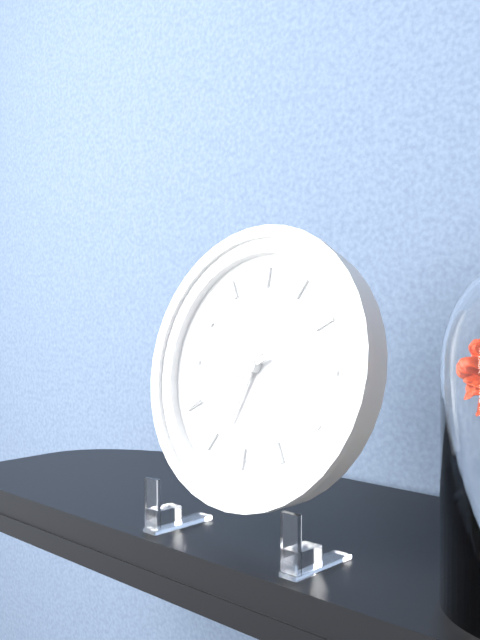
6:40
